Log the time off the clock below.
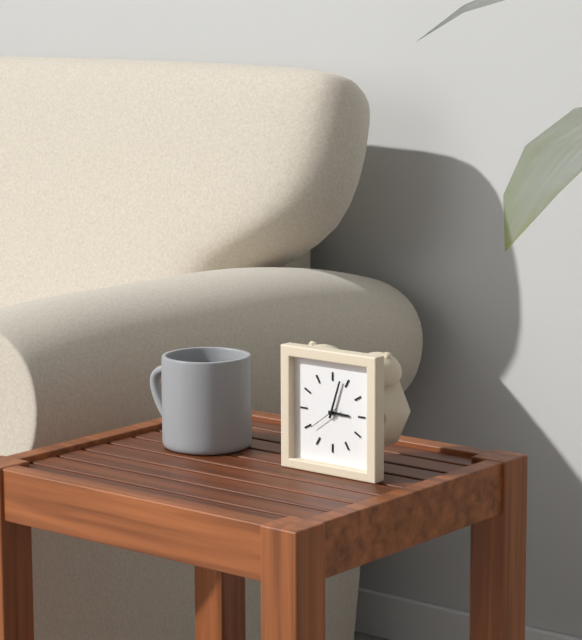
3:03
